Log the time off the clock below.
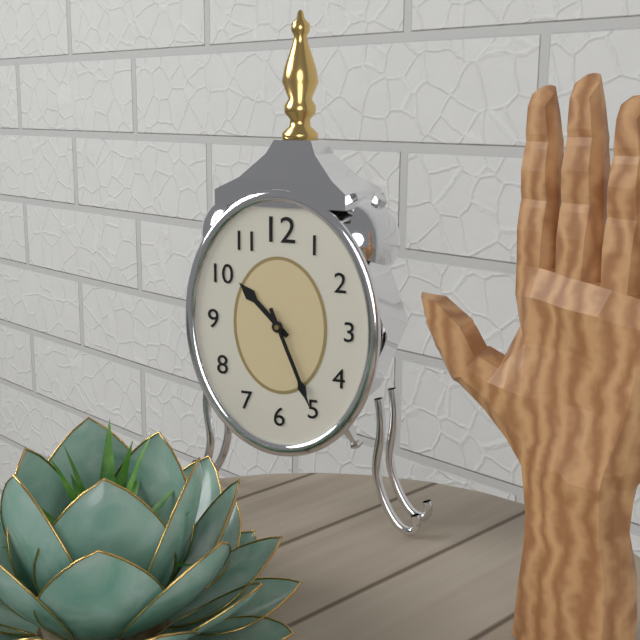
10:26
